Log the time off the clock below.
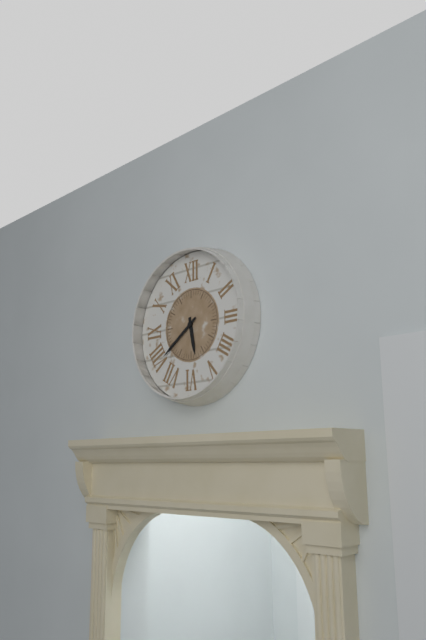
5:39
